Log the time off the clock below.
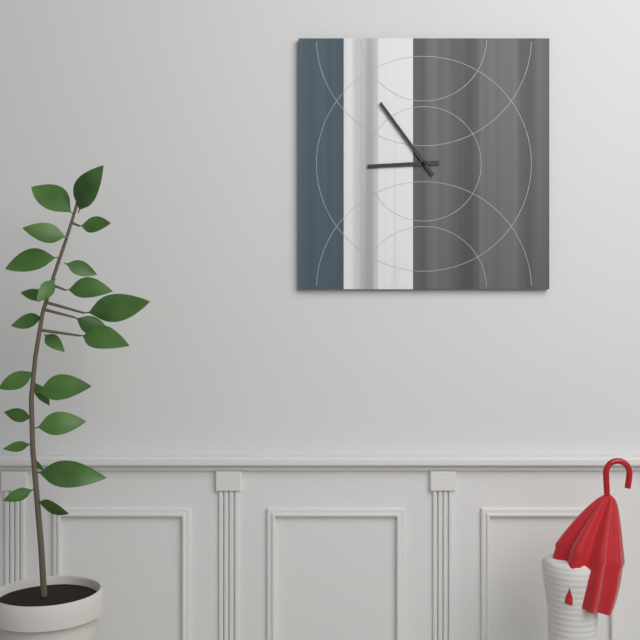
8:54
